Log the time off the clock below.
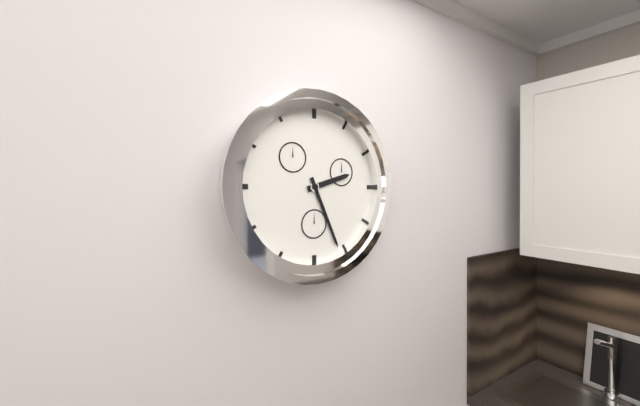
2:26
